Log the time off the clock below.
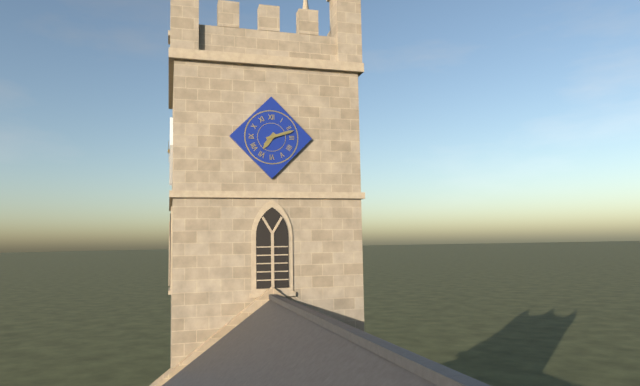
7:12
